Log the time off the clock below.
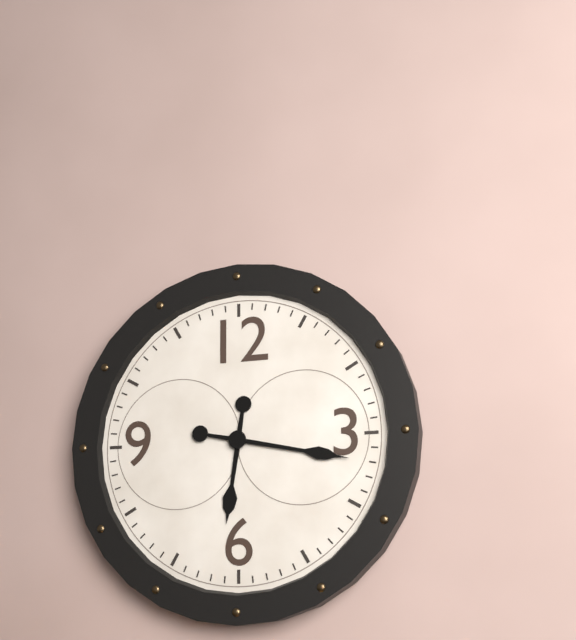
6:17
